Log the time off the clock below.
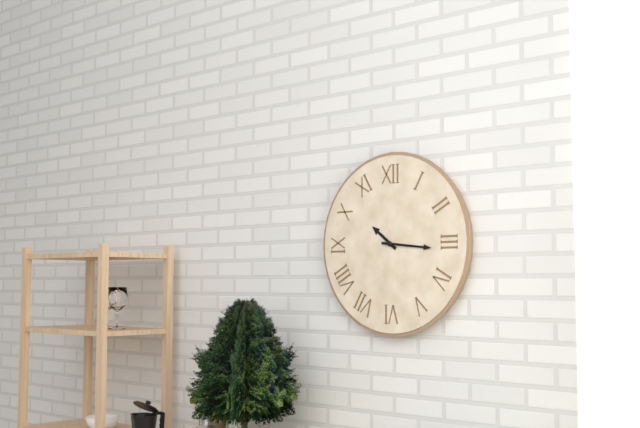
10:16
